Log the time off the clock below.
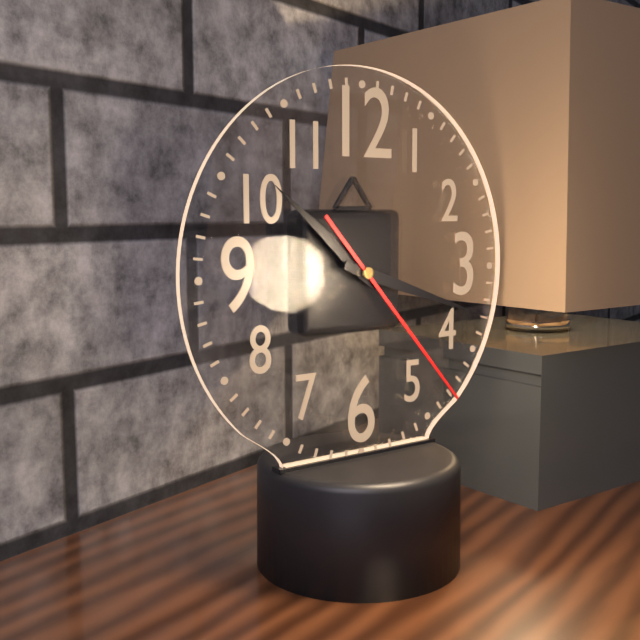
10:18:23
